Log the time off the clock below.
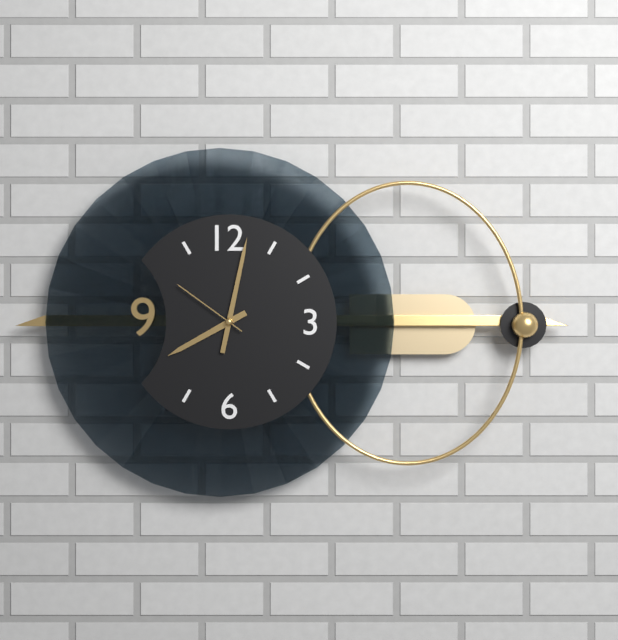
8:02:51
